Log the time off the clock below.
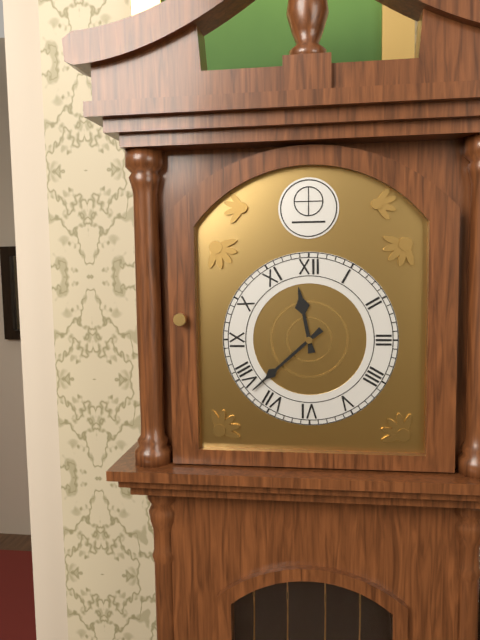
11:38
